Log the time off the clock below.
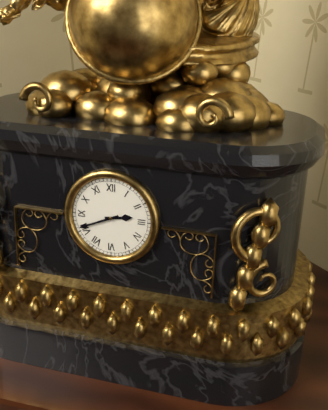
2:41
